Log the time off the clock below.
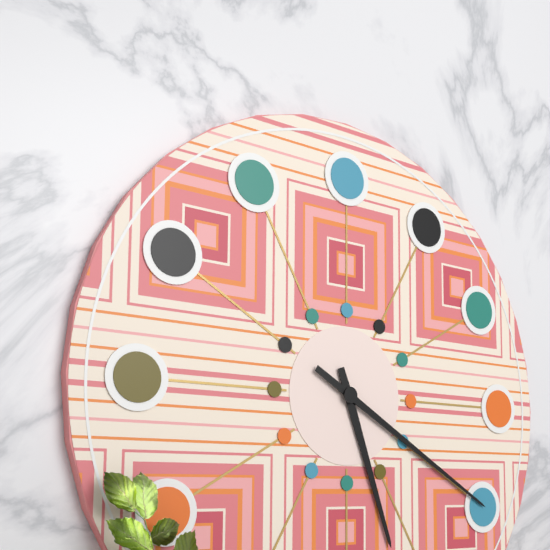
5:20
